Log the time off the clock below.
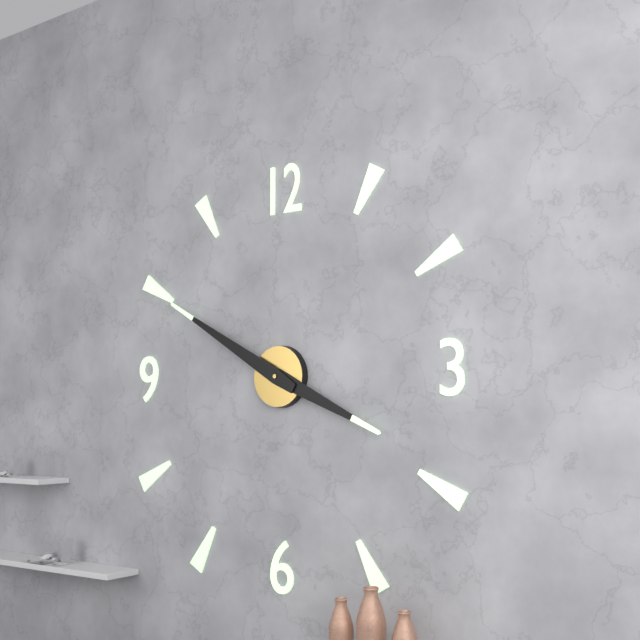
3:50
